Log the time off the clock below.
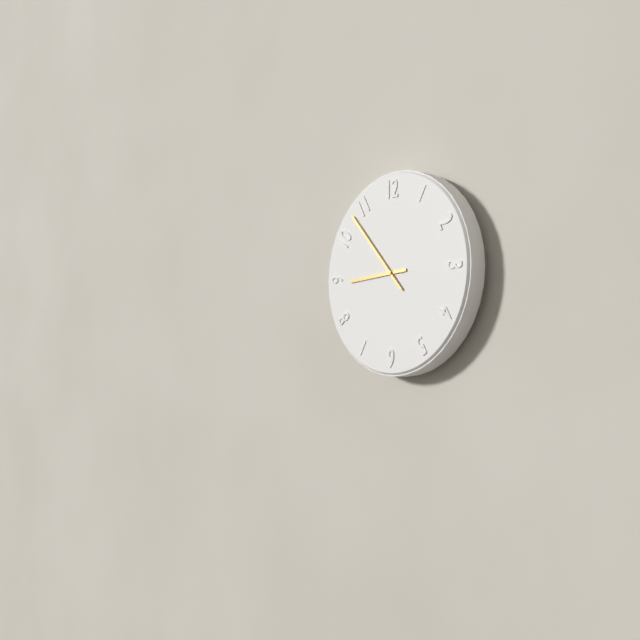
8:53
